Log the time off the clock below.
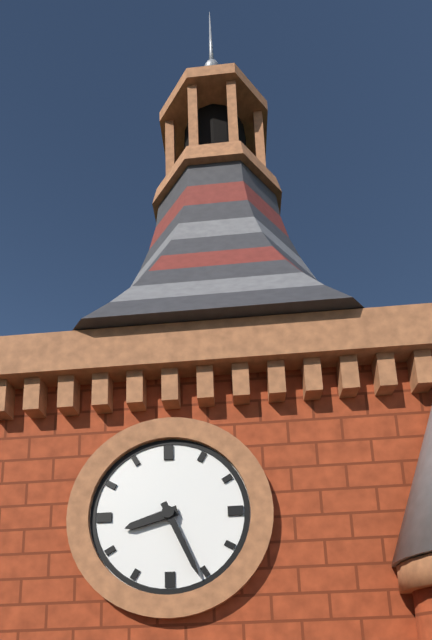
8:26
